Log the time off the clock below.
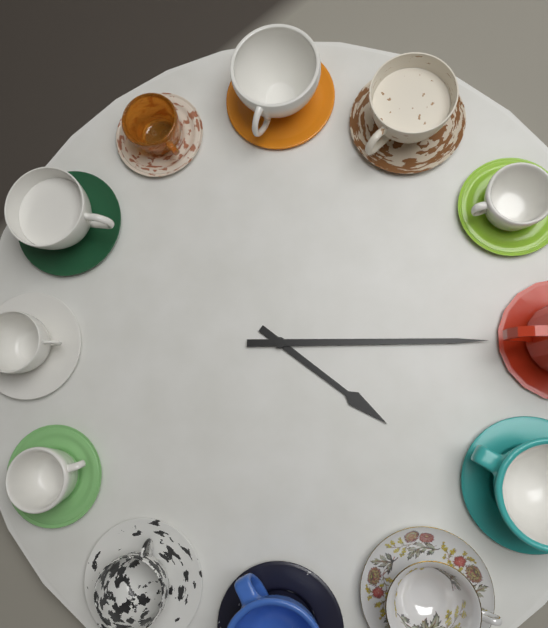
4:15
